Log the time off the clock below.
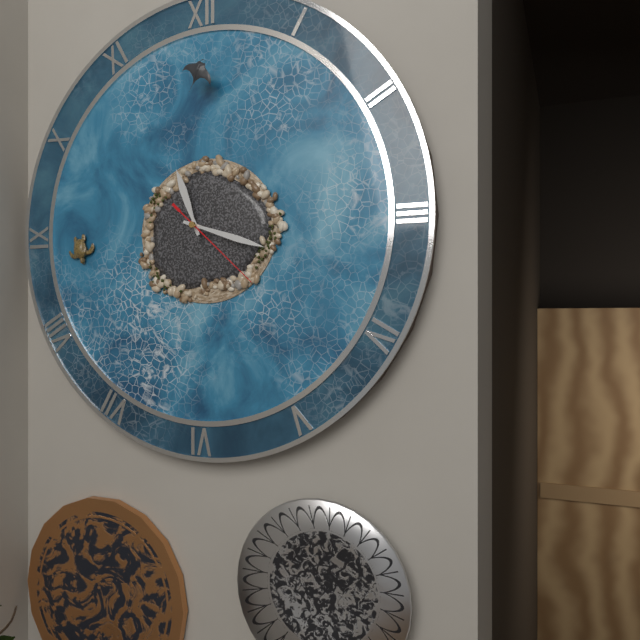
11:18:22
